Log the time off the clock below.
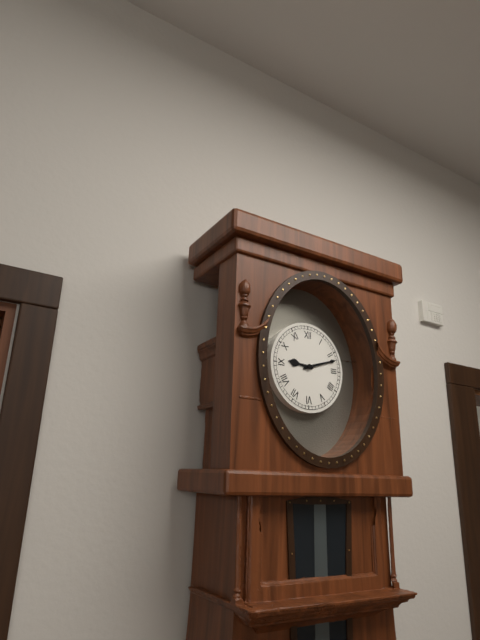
9:12
